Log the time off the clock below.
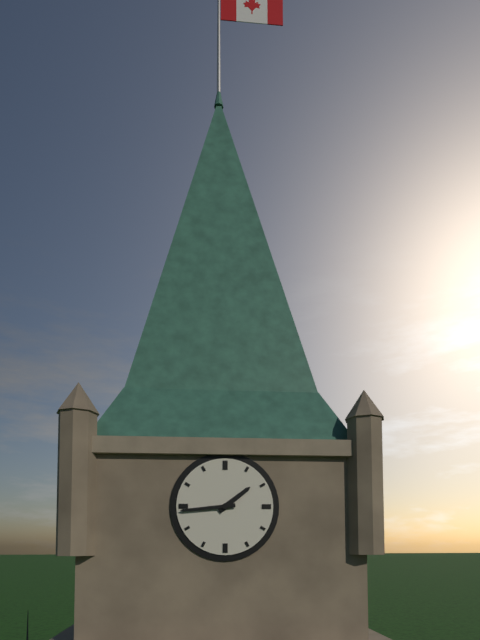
1:44
